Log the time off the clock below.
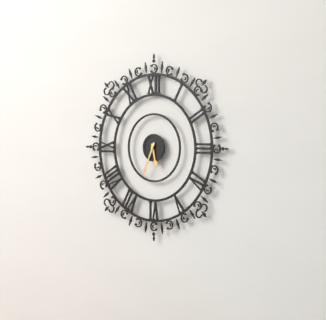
5:34
